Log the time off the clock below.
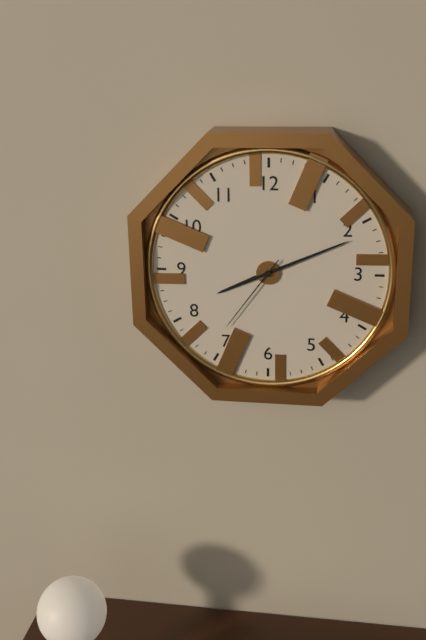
8:11:36
